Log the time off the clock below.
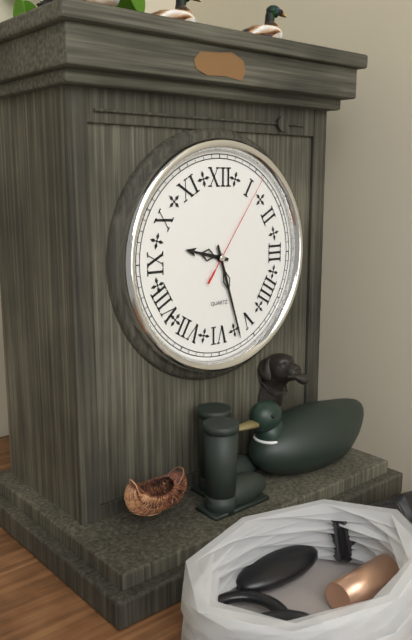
9:27:06
